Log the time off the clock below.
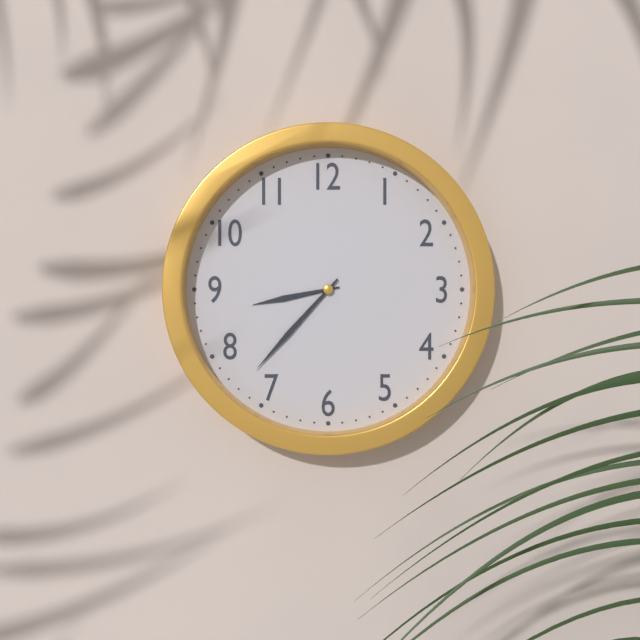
8:37
